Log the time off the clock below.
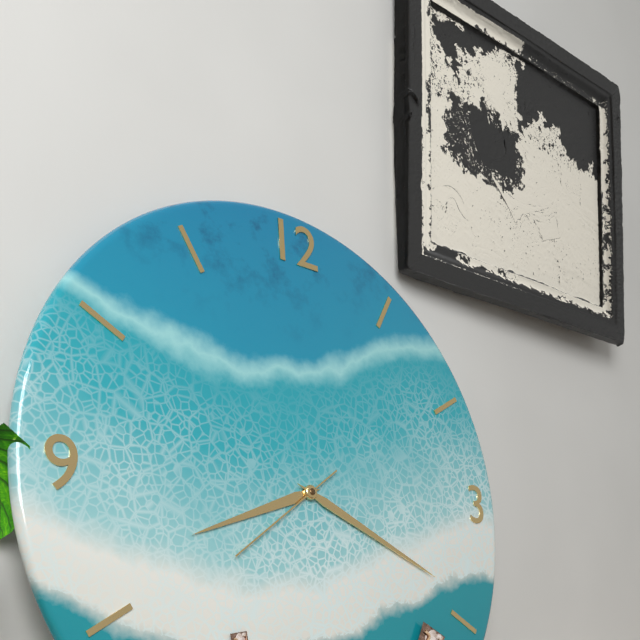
8:19:39
